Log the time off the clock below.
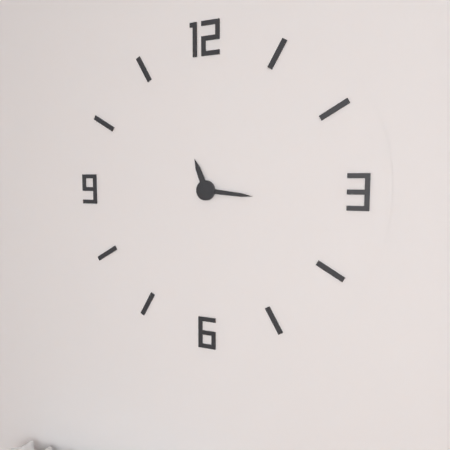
11:16
